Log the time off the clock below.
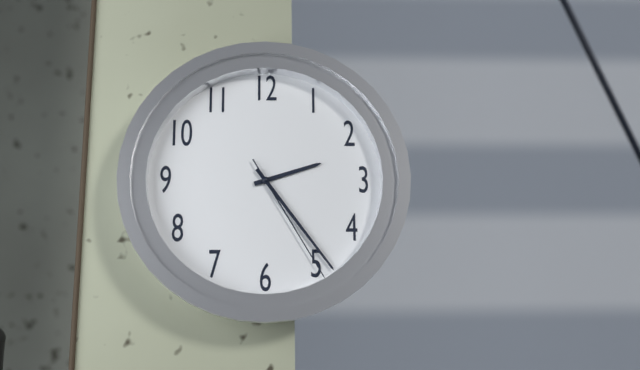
2:24:25
